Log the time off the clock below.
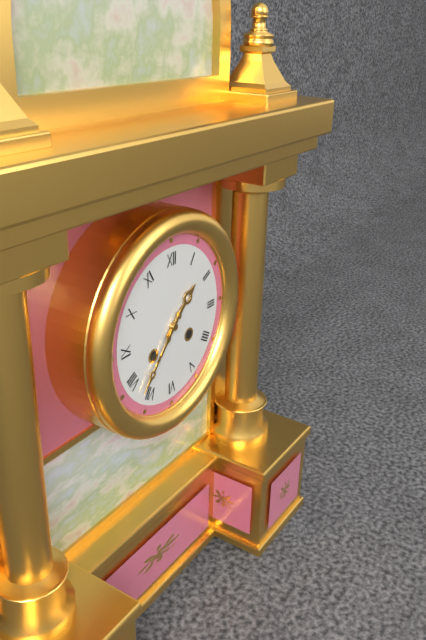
1:37
